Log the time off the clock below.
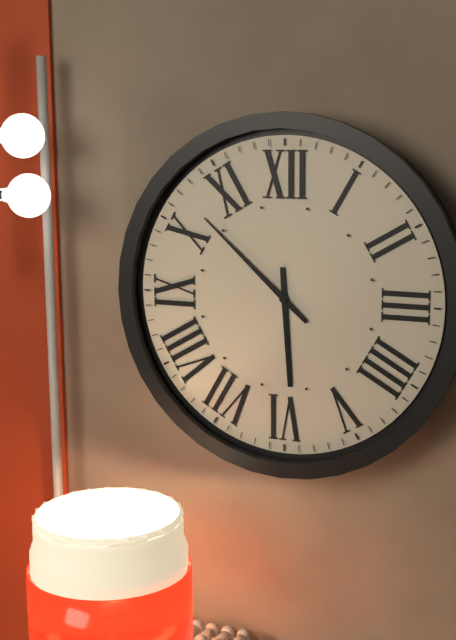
5:52
